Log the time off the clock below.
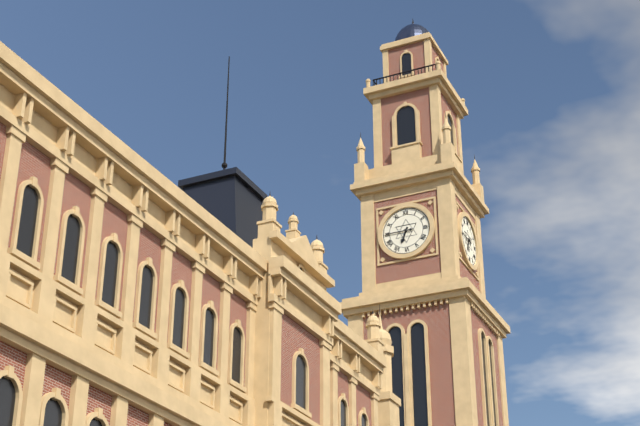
6:45
